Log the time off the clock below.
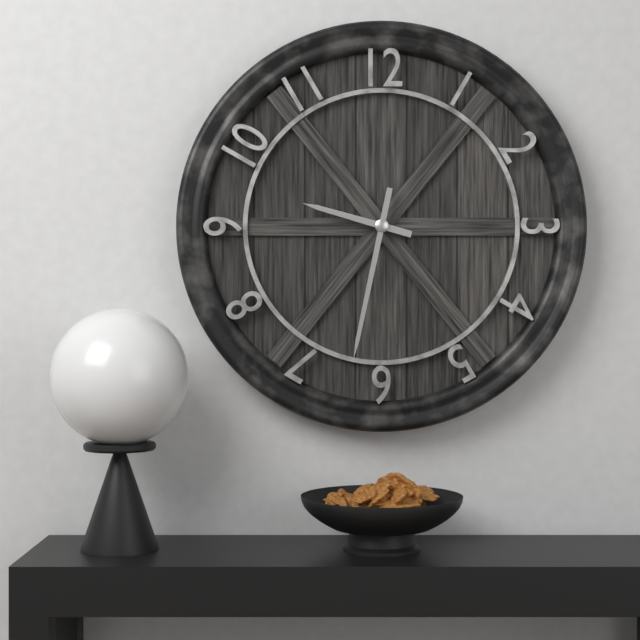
9:32
